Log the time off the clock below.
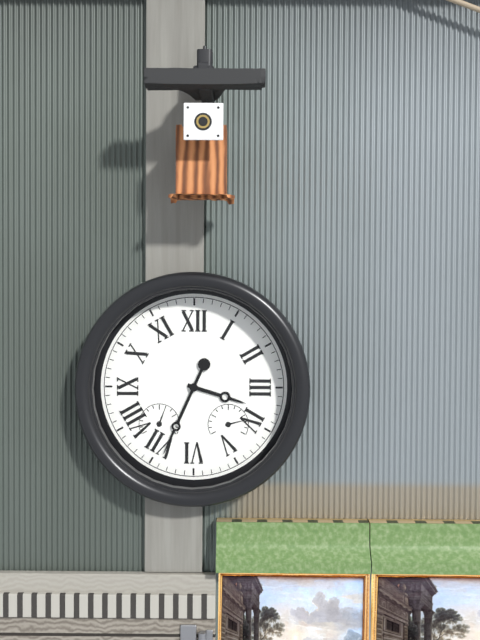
3:34
